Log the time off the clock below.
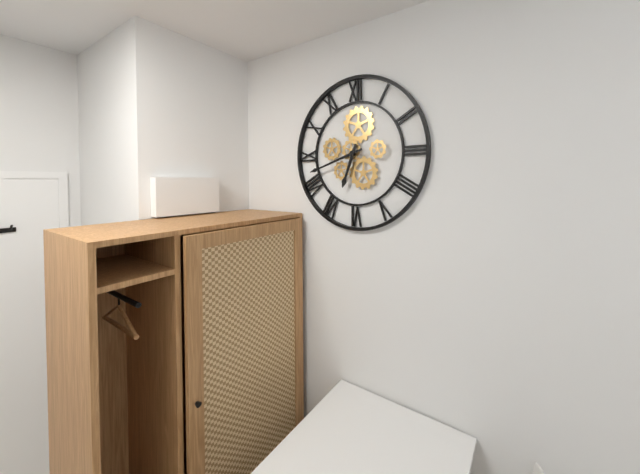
6:42
